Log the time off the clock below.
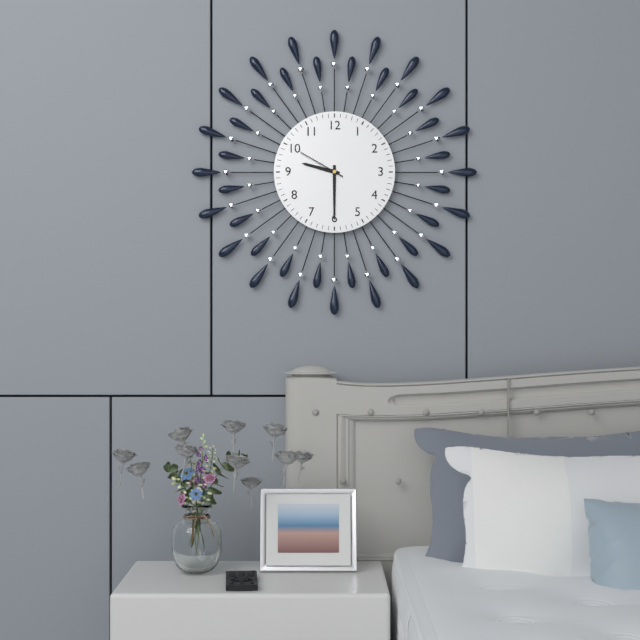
9:30:50
